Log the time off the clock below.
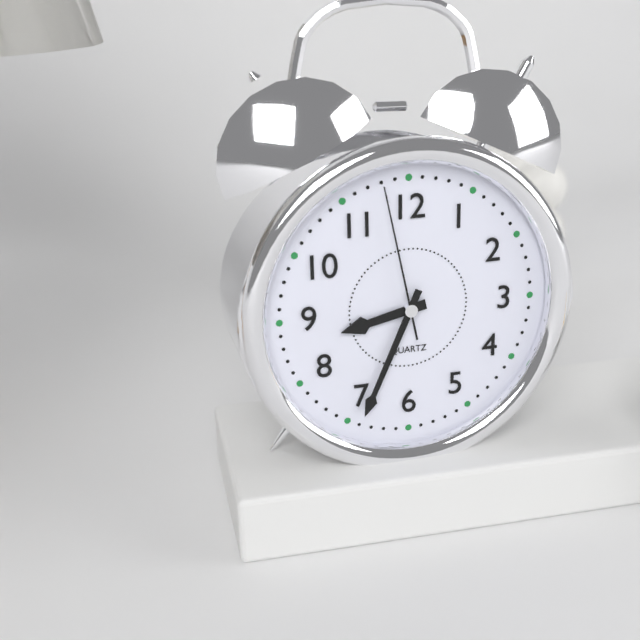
8:34:58
